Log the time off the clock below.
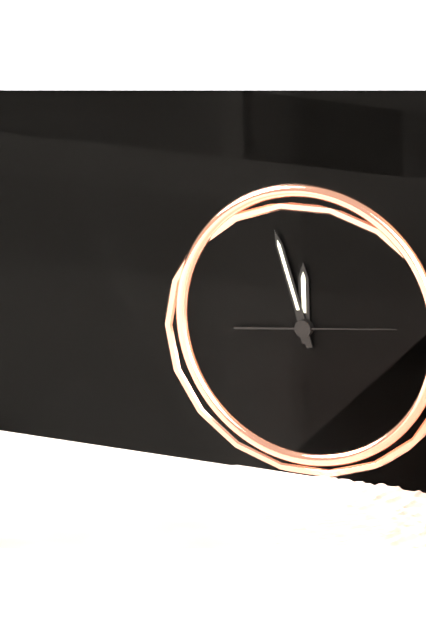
11:57:14
